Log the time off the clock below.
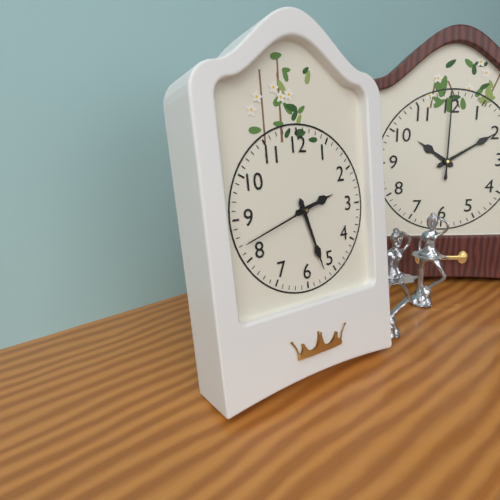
2:27:42
